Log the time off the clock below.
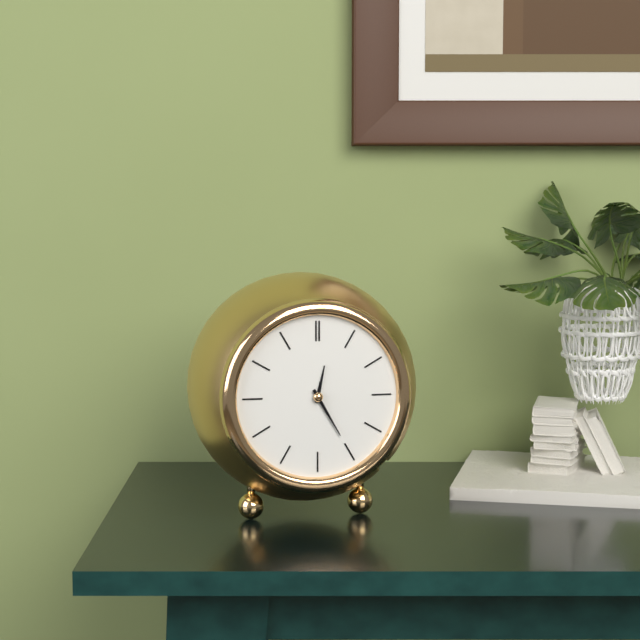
12:25
